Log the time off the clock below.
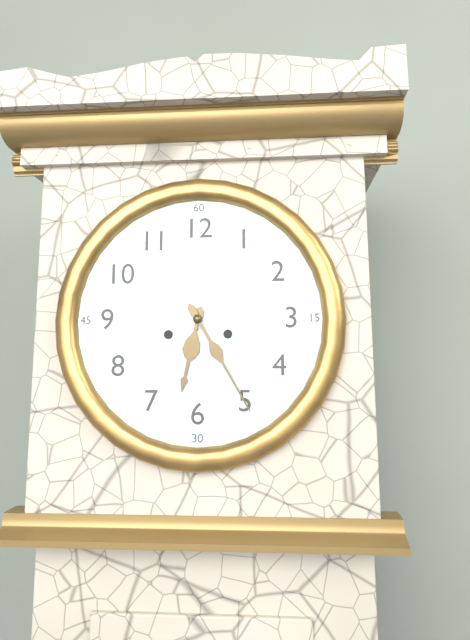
6:25
